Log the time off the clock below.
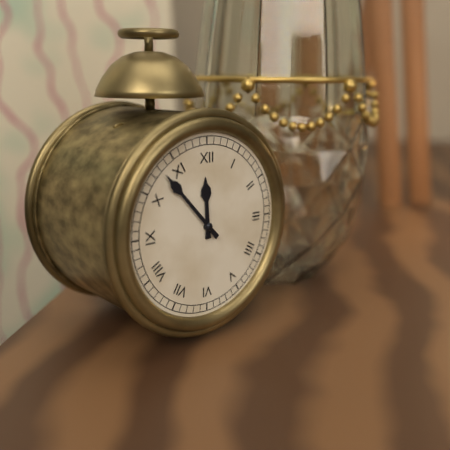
11:53
